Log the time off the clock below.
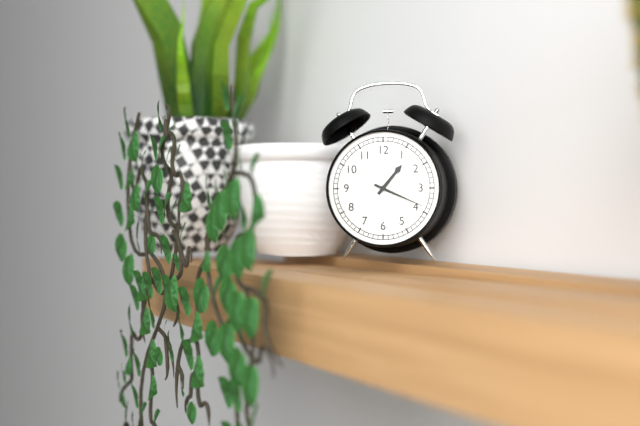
1:19
